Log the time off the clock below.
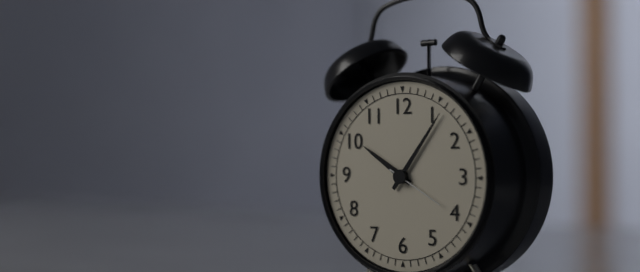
10:06:20
